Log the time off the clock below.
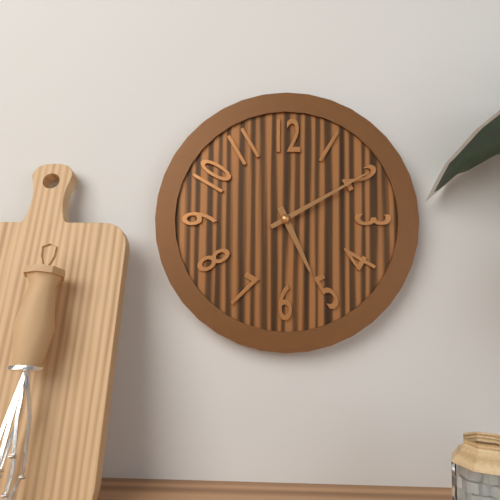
5:10
